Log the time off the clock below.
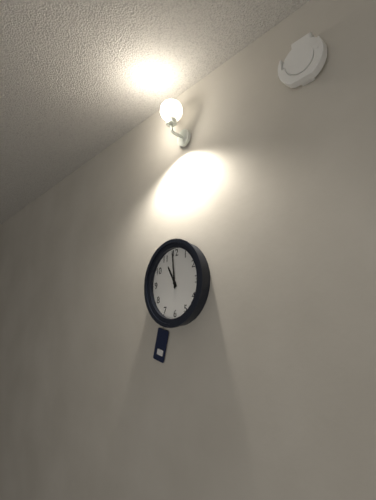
10:59
